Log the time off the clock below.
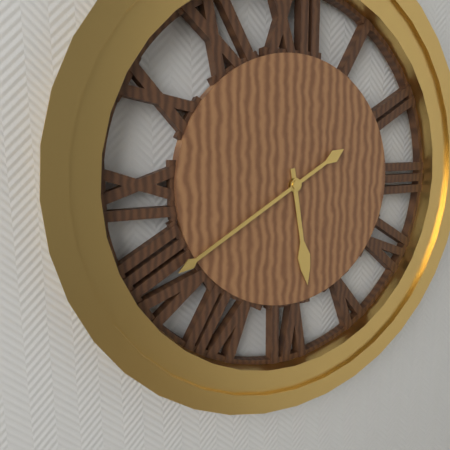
5:40
